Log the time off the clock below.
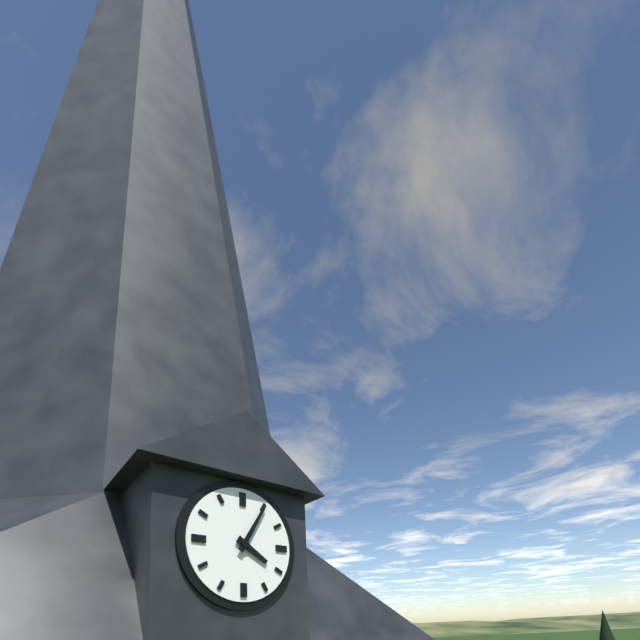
4:05
